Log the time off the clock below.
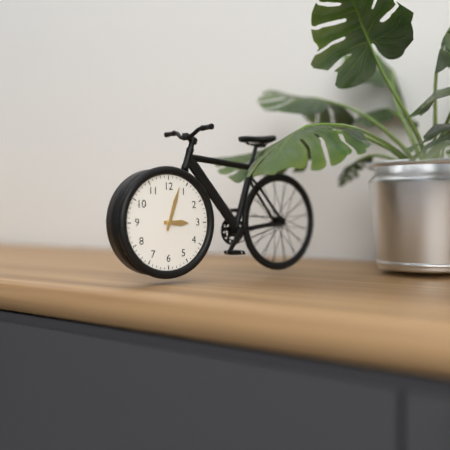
3:03
